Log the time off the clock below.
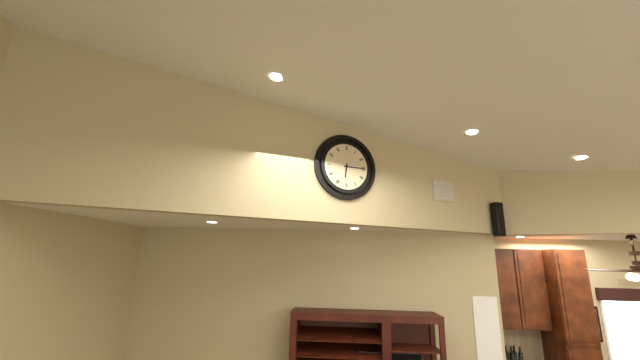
6:15
